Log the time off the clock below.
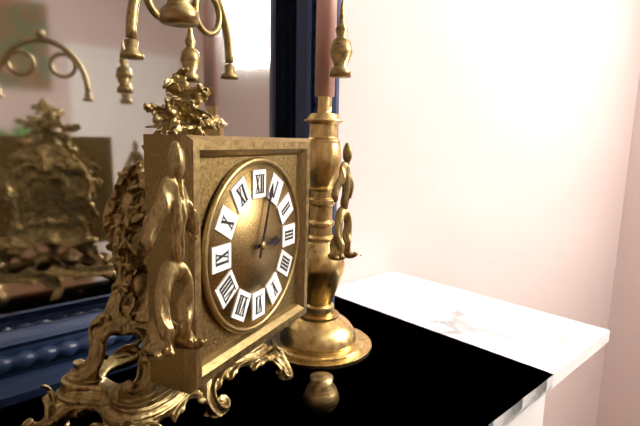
3:03
